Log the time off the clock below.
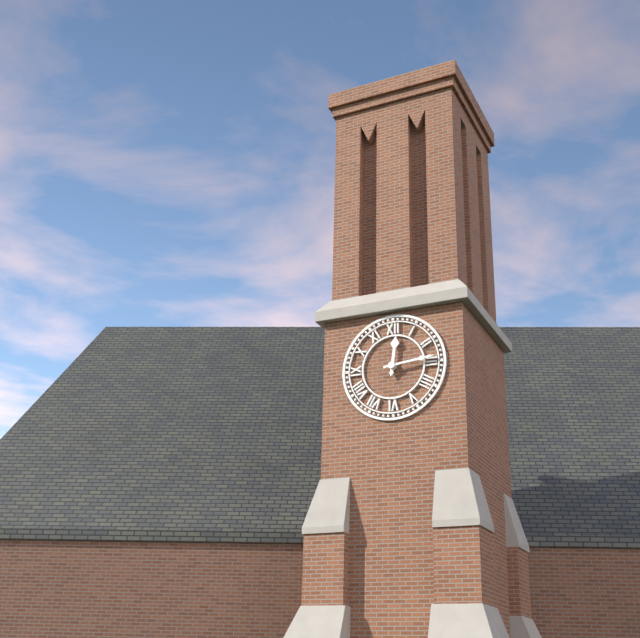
12:14
